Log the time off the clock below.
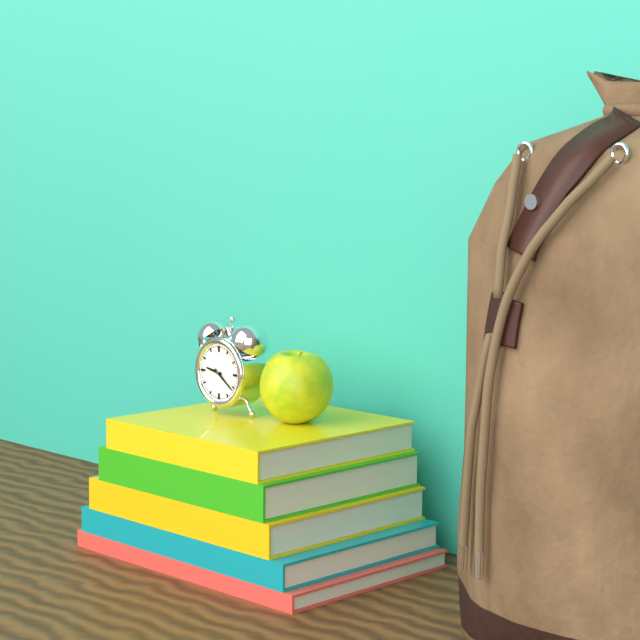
9:21
